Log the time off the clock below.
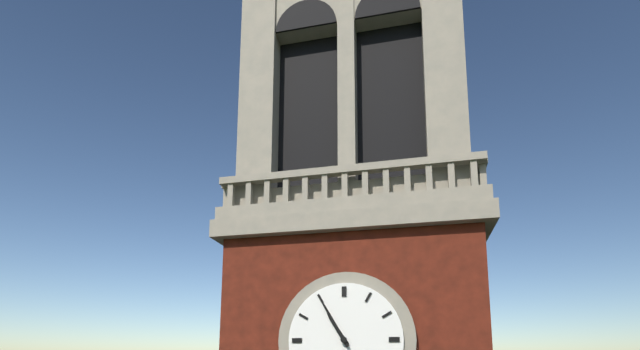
10:55
